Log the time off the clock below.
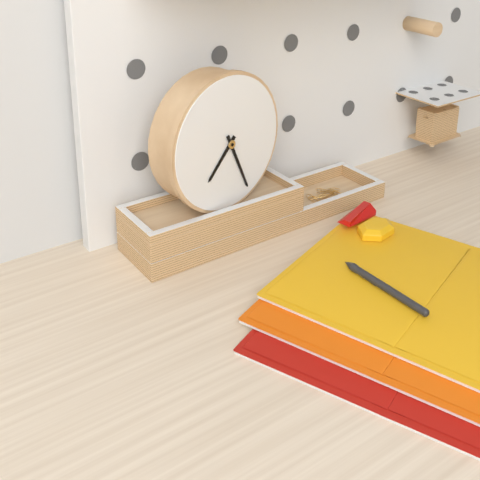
7:26
